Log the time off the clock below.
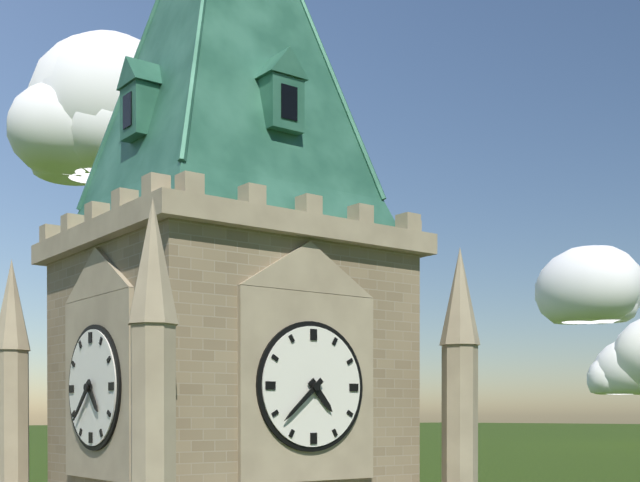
4:38
